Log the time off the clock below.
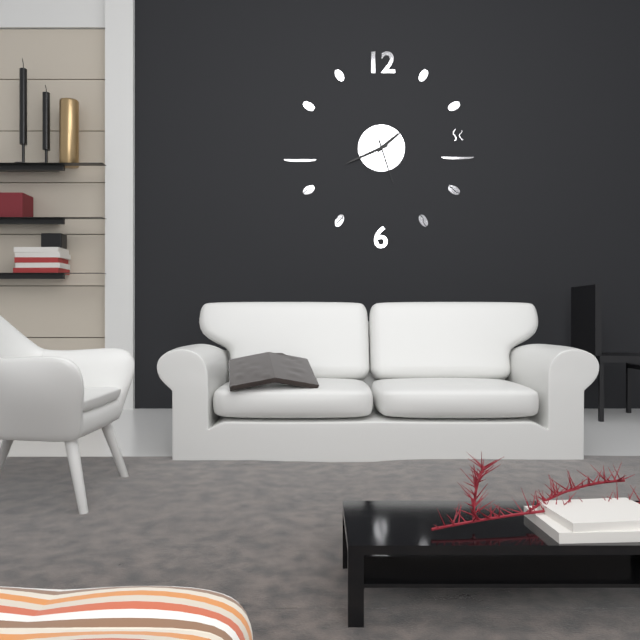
1:41
